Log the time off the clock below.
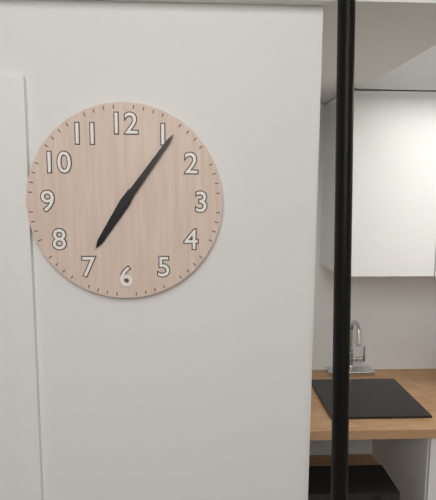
7:06
